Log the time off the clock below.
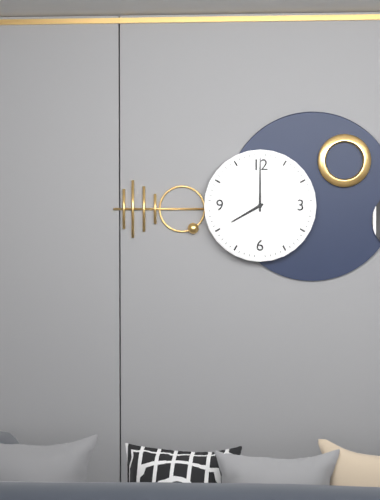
8:00
